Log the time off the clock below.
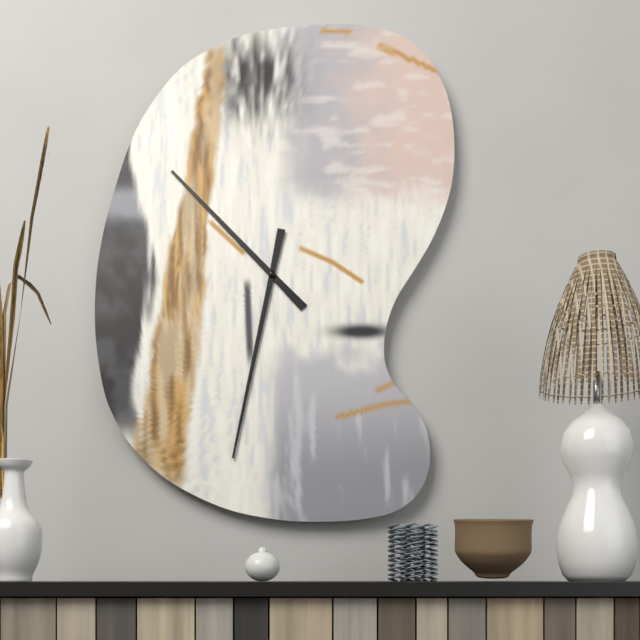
10:32
